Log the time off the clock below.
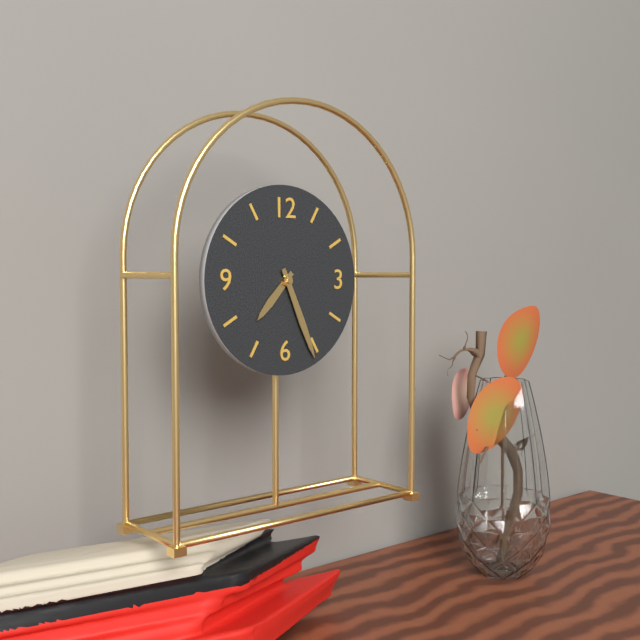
7:26
